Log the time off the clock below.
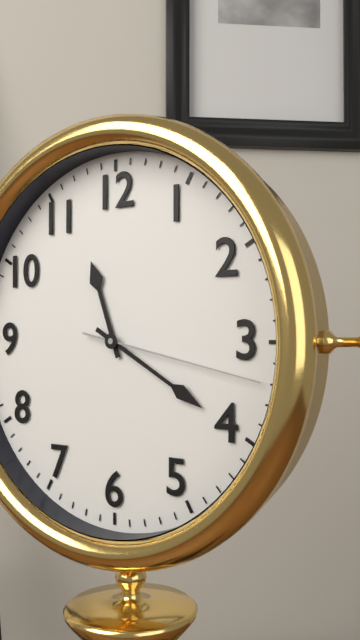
11:20:17
